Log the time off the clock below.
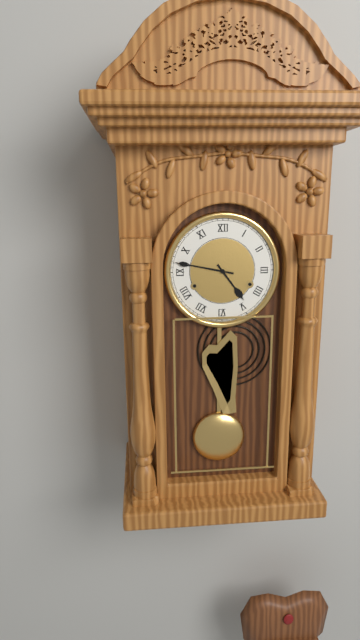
4:47
